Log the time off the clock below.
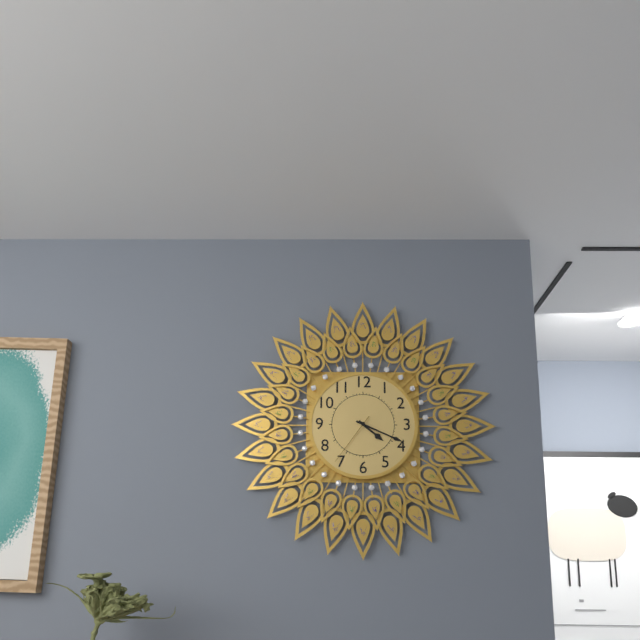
4:19:36
